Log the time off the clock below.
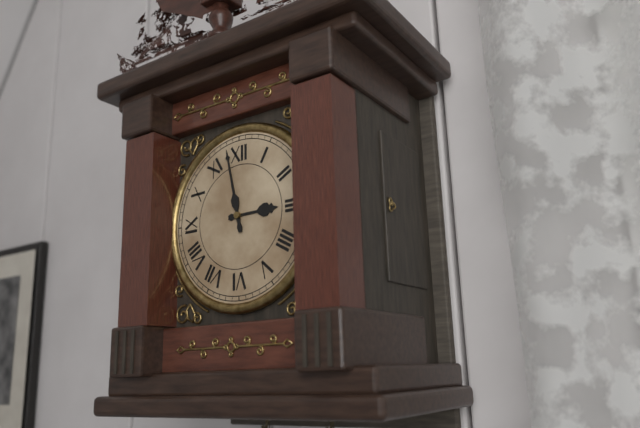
2:58
